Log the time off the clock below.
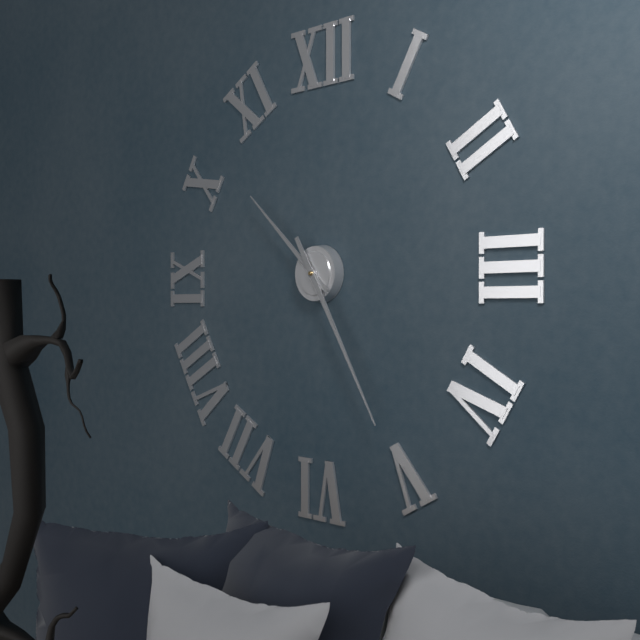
10:25
